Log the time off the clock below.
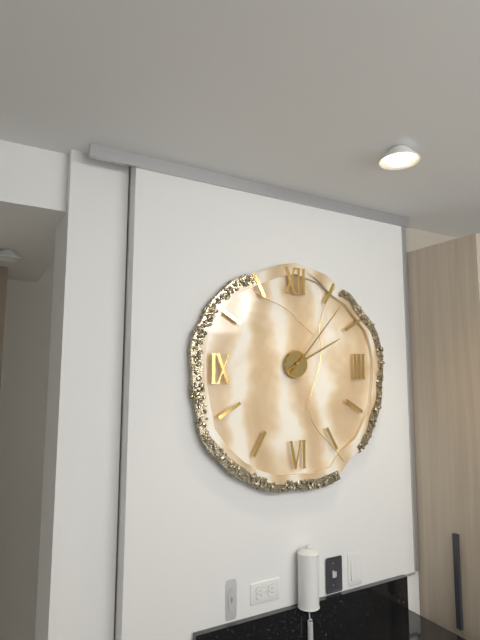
2:07
